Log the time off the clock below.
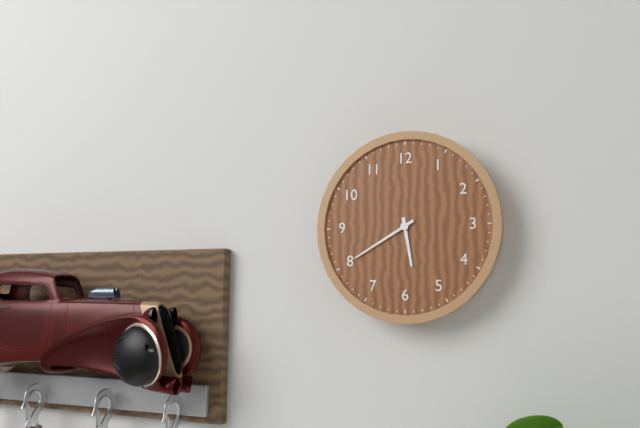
5:40
